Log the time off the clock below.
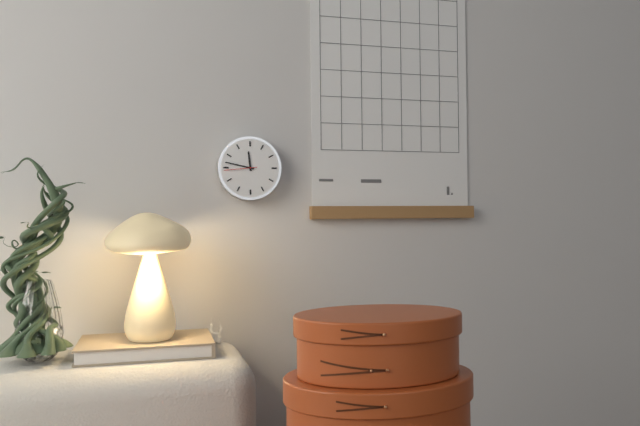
11:47
